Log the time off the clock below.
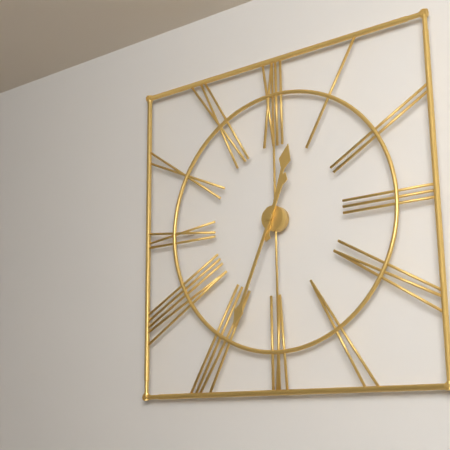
12:34
